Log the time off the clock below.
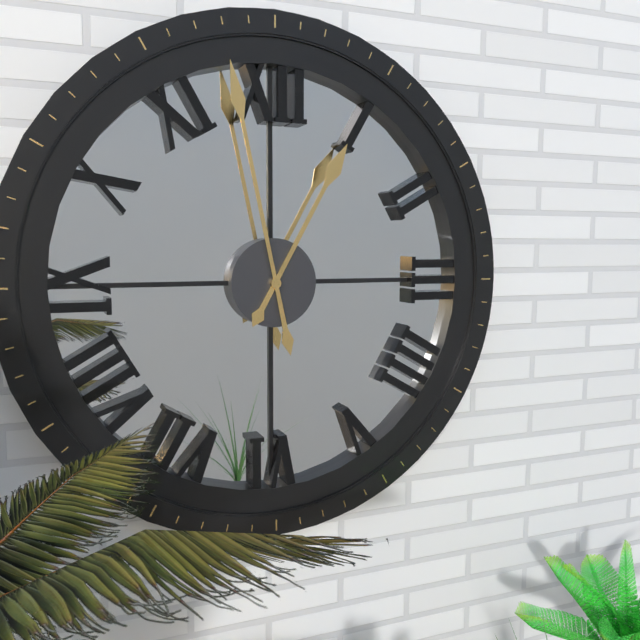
12:58
